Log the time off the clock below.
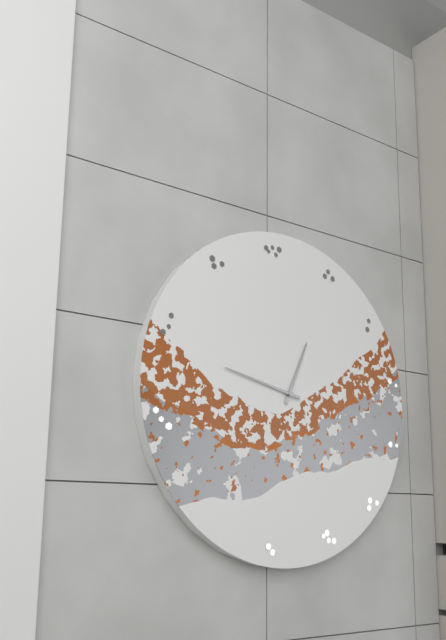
12:47
